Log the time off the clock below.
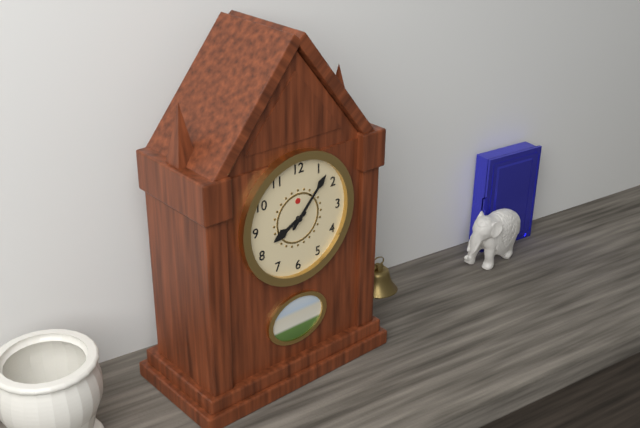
8:07
